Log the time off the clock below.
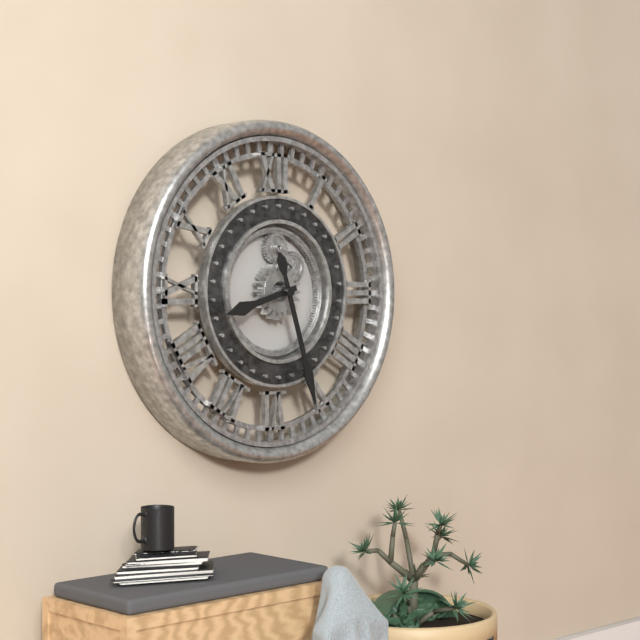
8:27
